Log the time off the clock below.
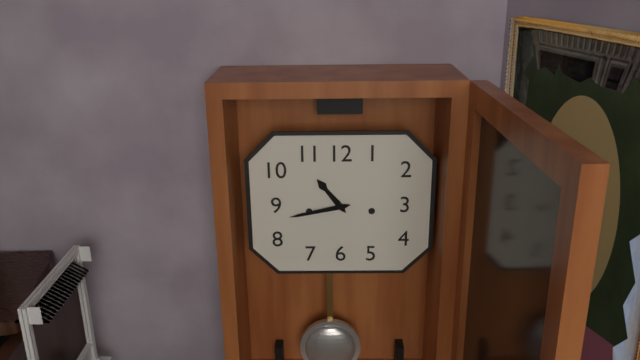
10:43
